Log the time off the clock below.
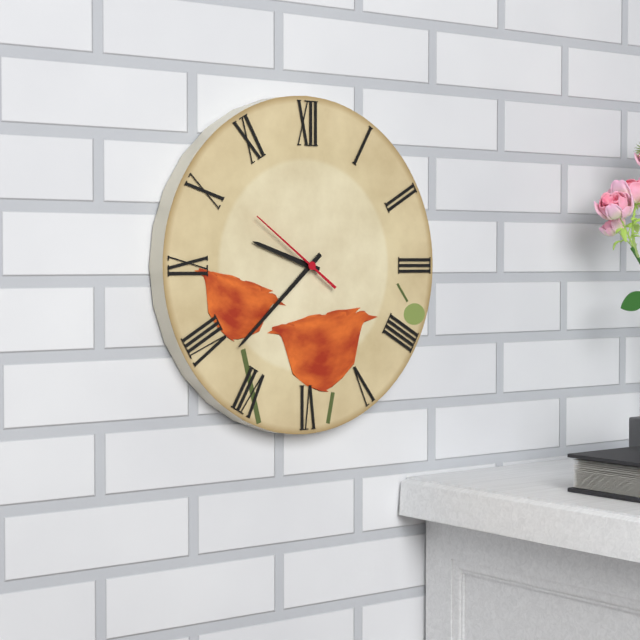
9:38:51
